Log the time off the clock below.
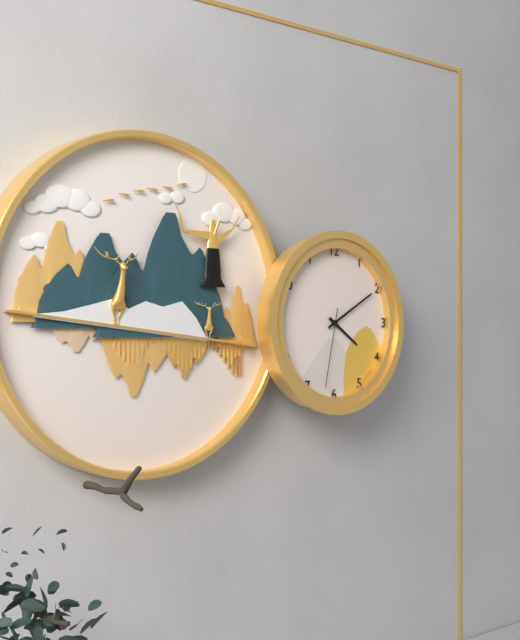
4:10:32
